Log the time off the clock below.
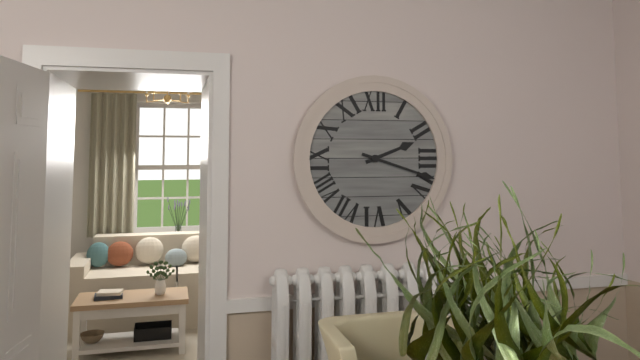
2:18
